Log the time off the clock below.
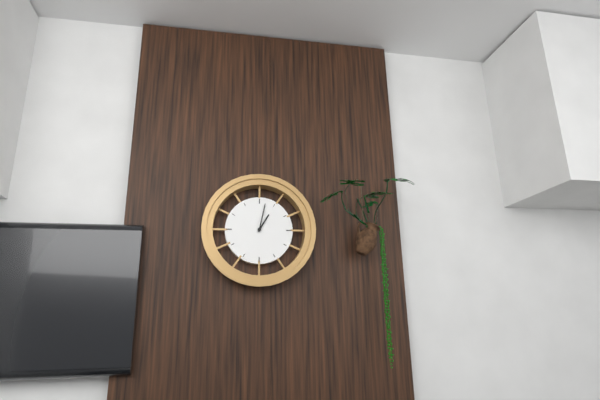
1:02
